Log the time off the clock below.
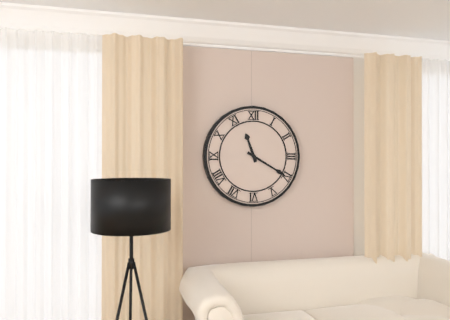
11:20
